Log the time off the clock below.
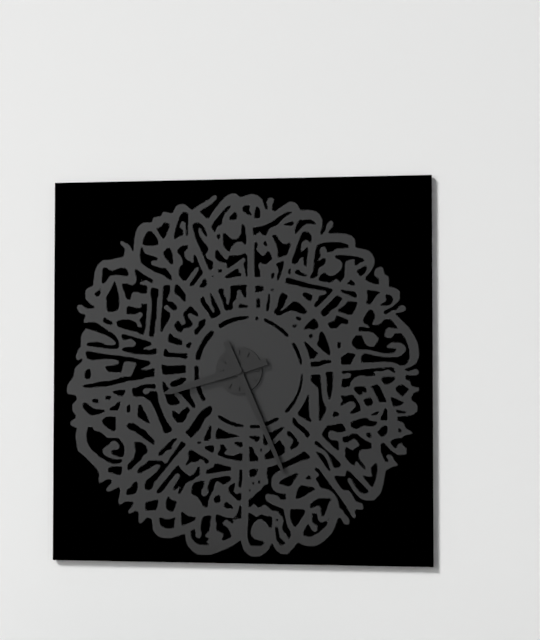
8:26
